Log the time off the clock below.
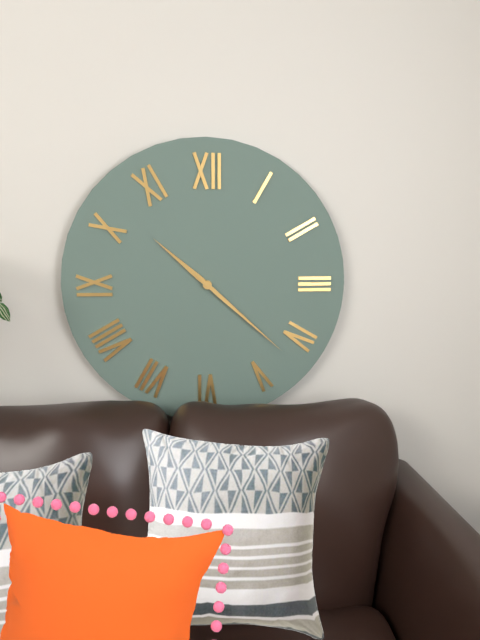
10:22
